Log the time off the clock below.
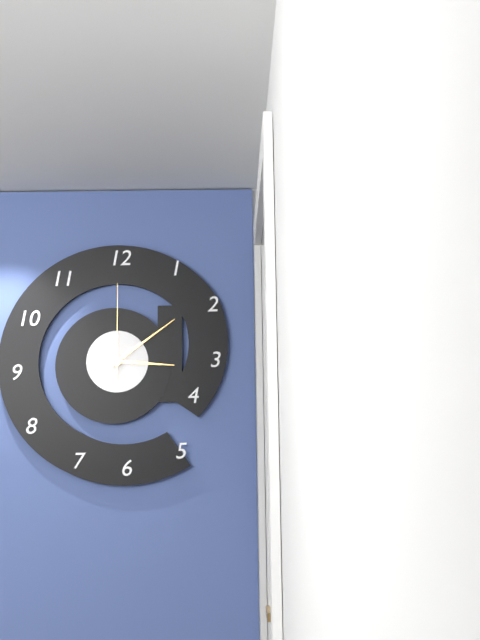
3:09:00
